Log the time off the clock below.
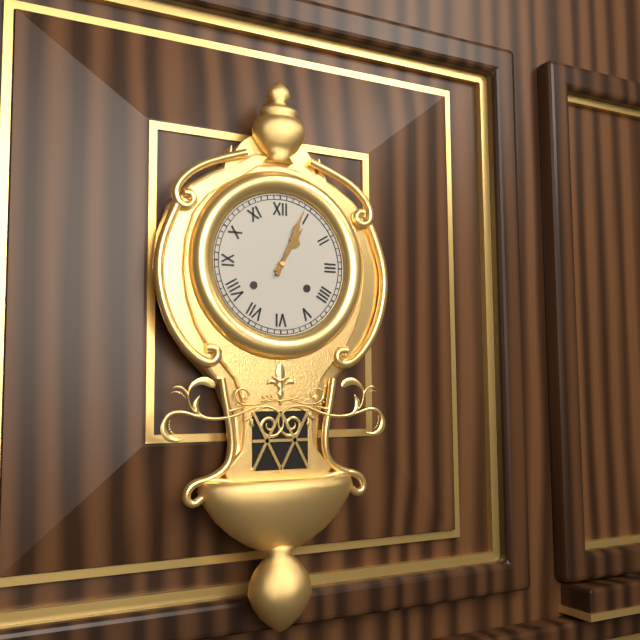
1:04
